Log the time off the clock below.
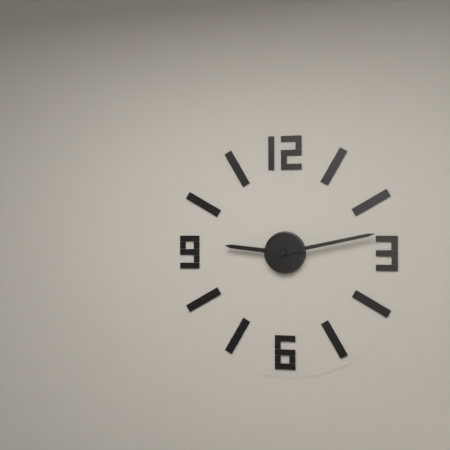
9:13
